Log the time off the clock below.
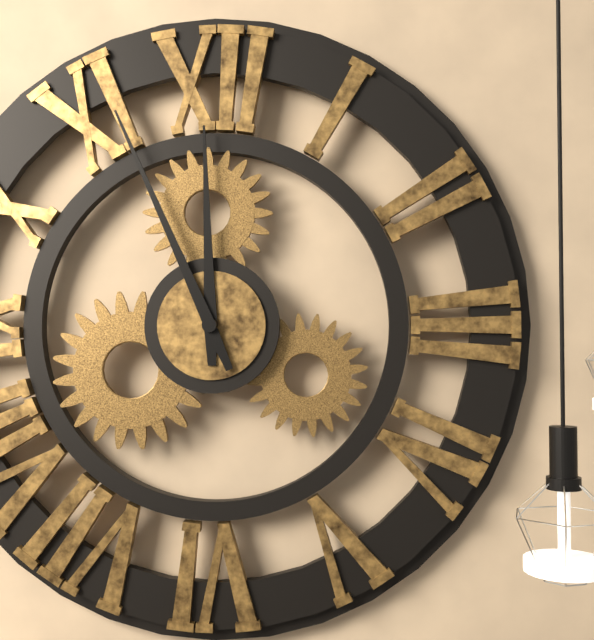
11:56
